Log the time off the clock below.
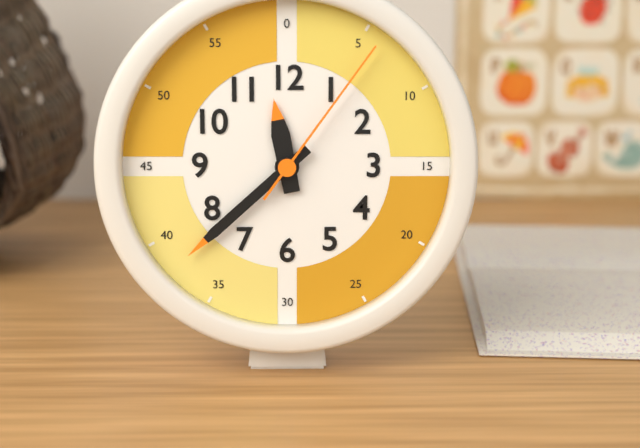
11:38:06
